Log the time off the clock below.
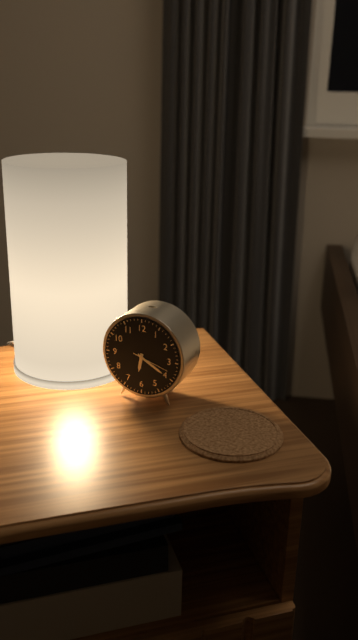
6:20
